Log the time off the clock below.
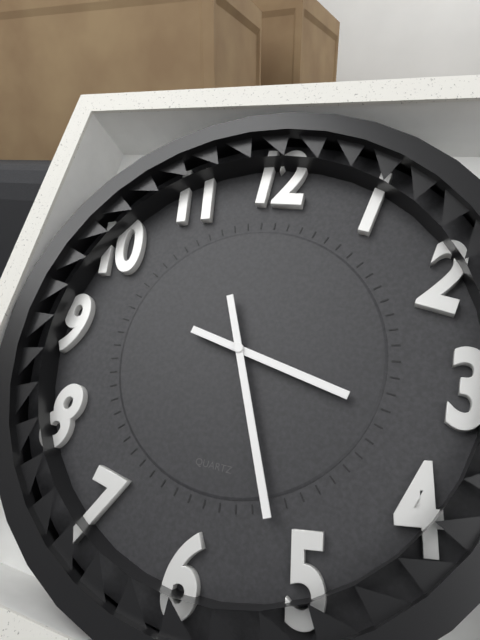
3:26
